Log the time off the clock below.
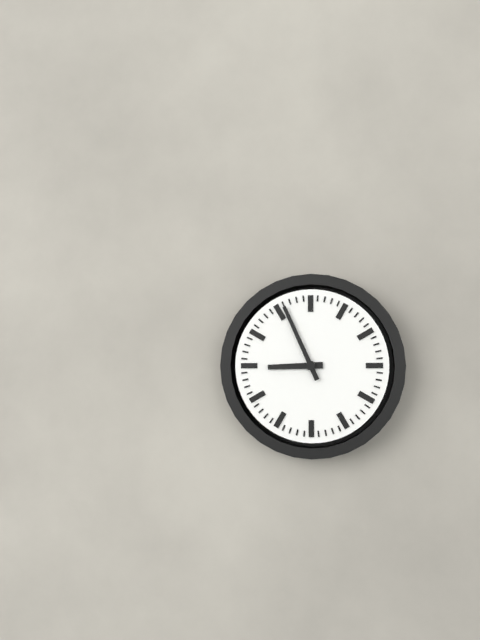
8:56
